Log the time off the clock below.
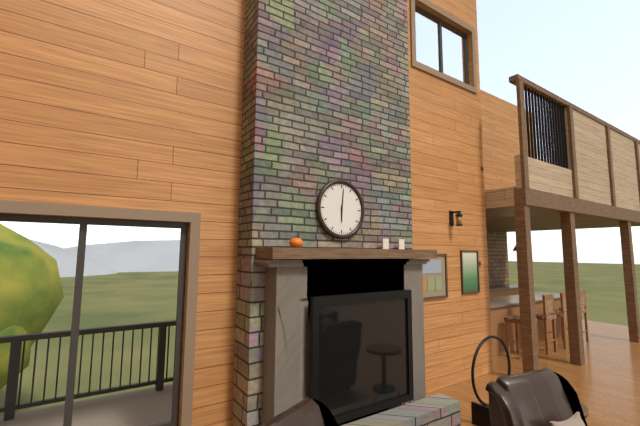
6:01
